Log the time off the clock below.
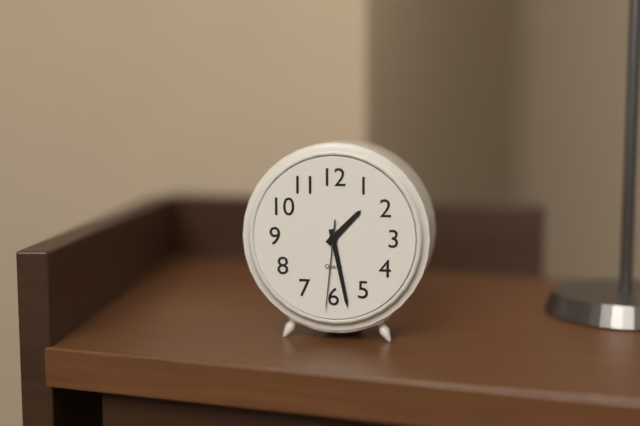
1:28:31
